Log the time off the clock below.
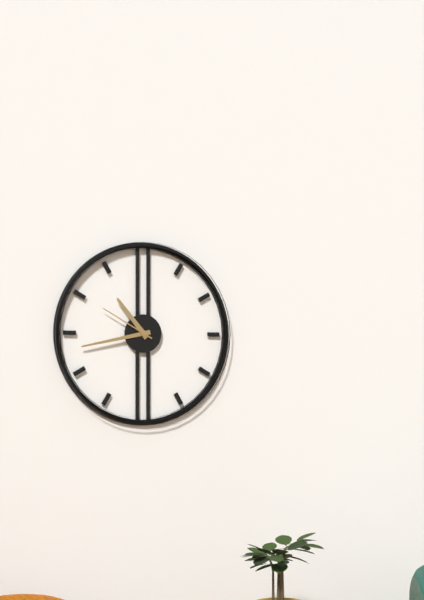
10:43:50
